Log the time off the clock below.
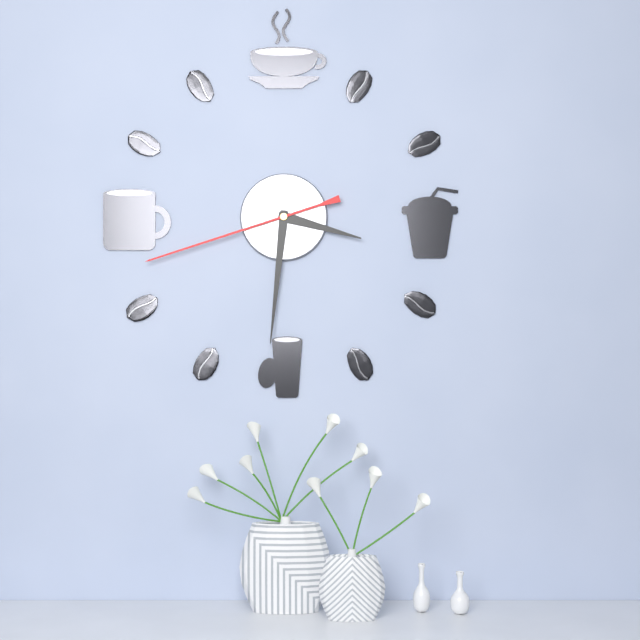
3:31:42
